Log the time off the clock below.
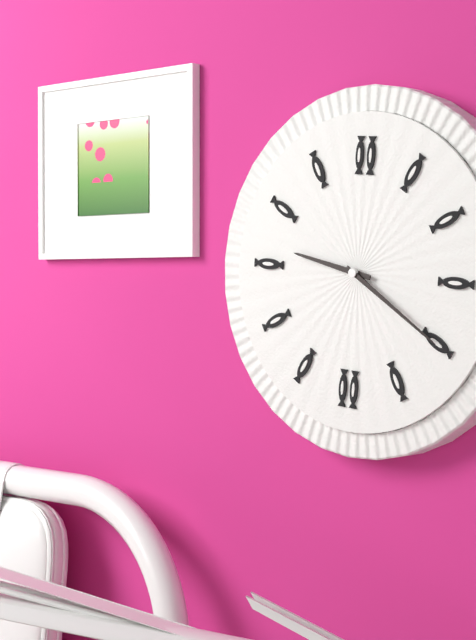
9:20
